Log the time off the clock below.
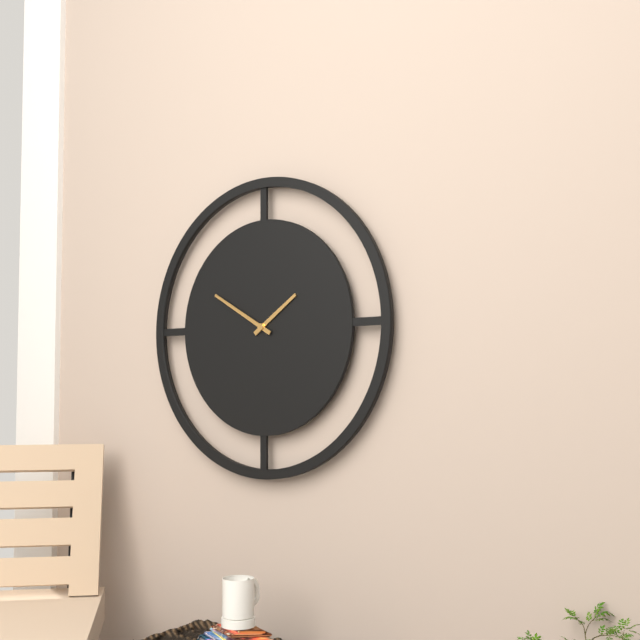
1:50
